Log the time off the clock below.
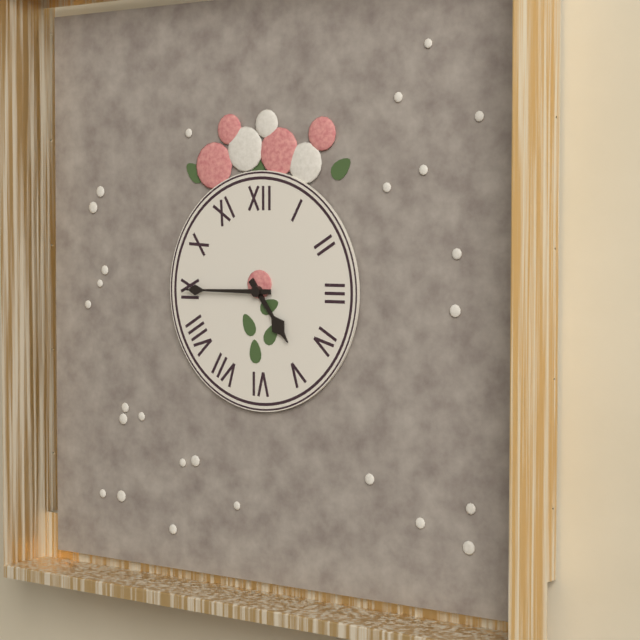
4:45
